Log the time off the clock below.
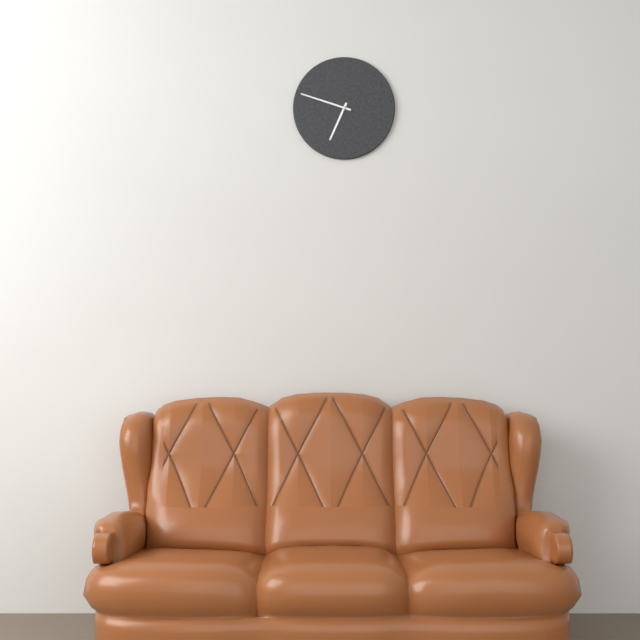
6:48
